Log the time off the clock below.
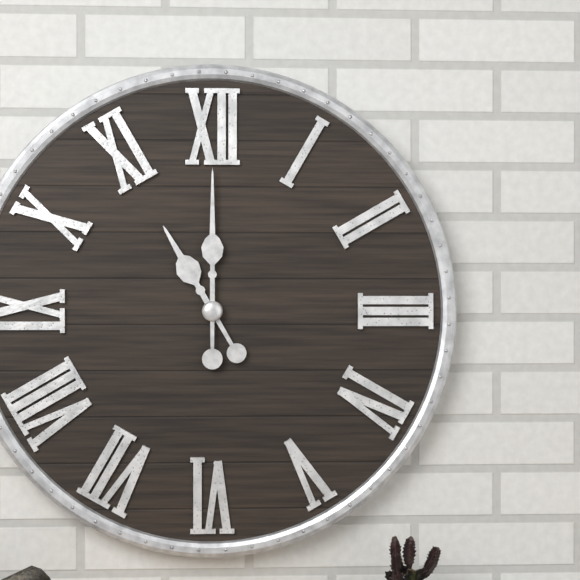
11:00
